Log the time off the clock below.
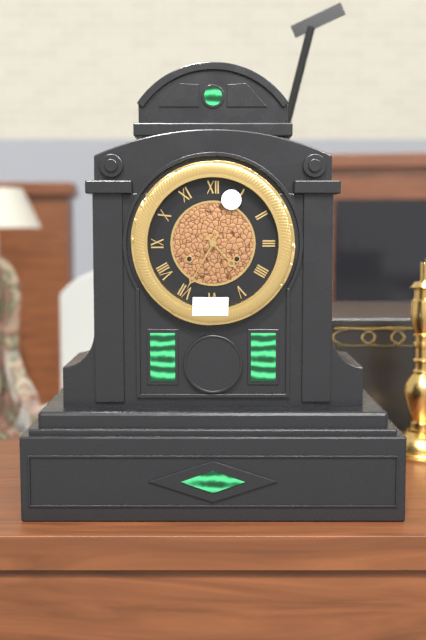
4:35
